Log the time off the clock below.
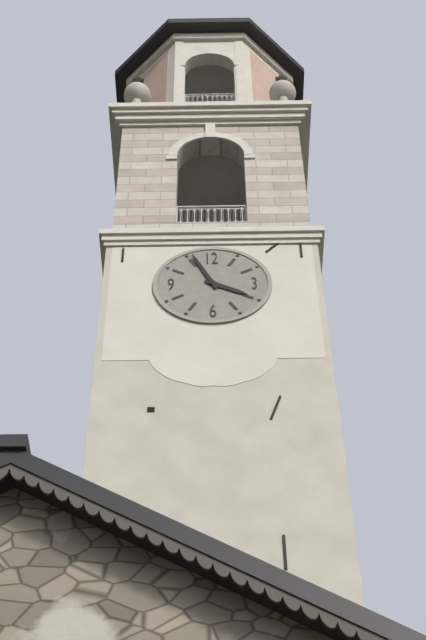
3:56
